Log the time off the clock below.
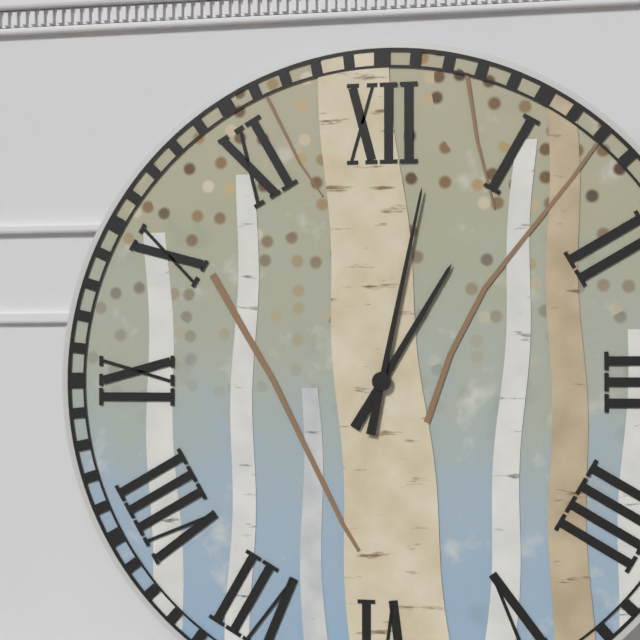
1:02
